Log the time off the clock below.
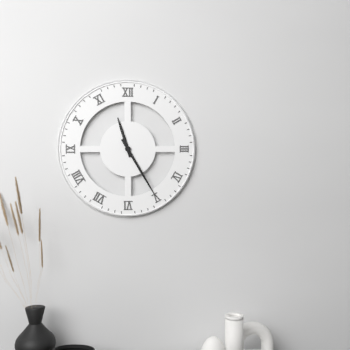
11:25
